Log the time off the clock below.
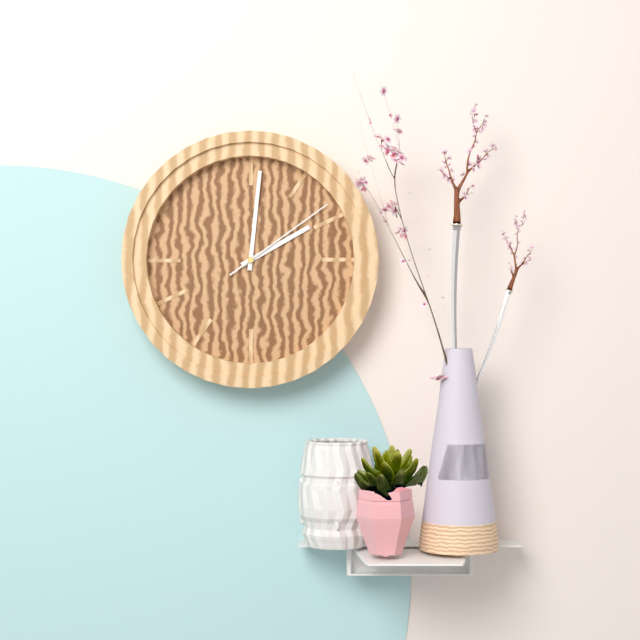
2:01:09
